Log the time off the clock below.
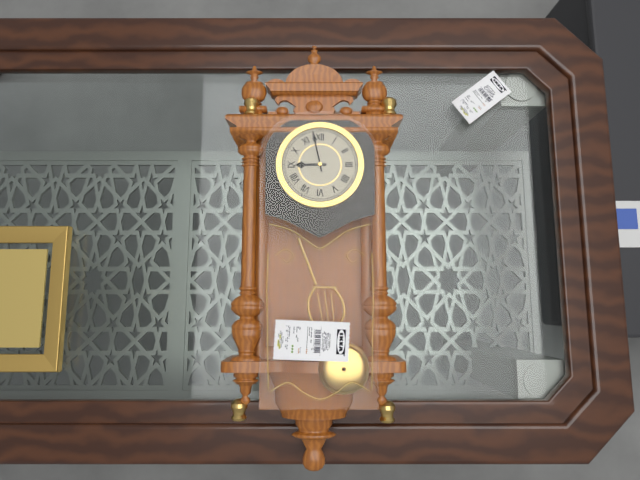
8:58
